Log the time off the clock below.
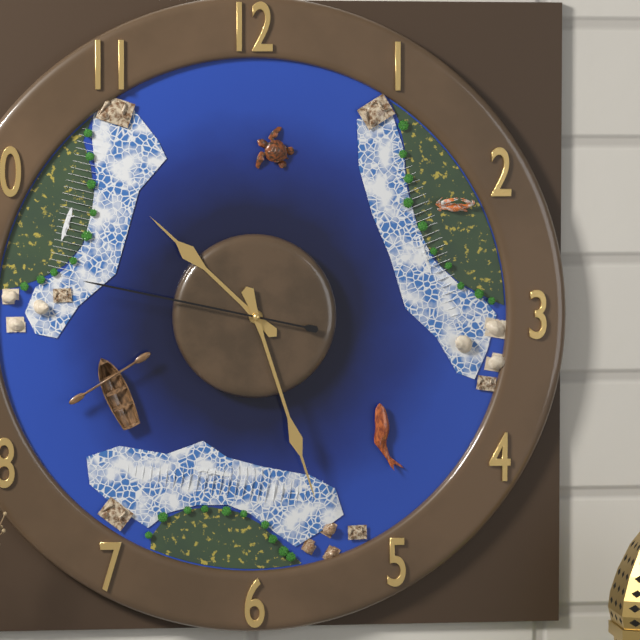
10:27:47
